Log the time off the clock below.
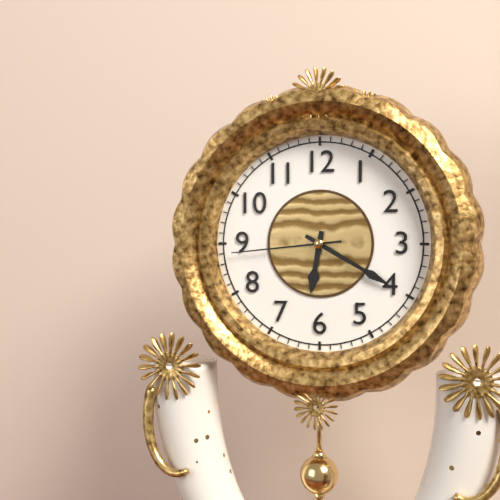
6:20:44
